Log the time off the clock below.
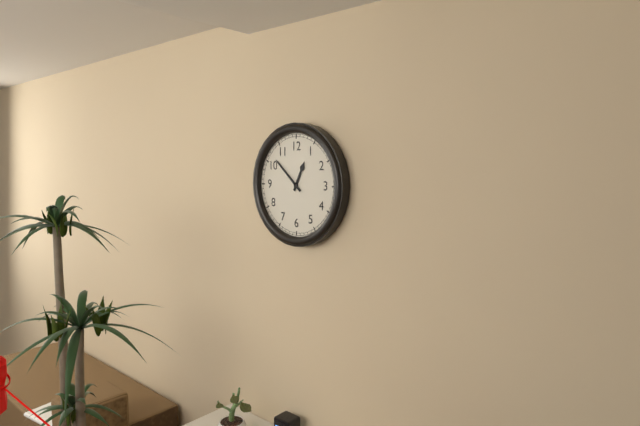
12:52
